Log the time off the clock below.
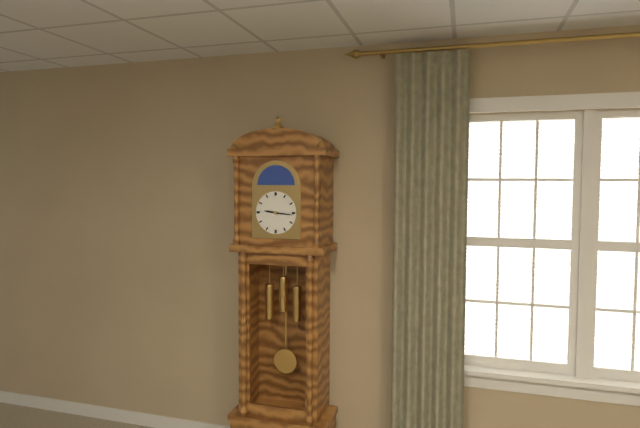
9:16
